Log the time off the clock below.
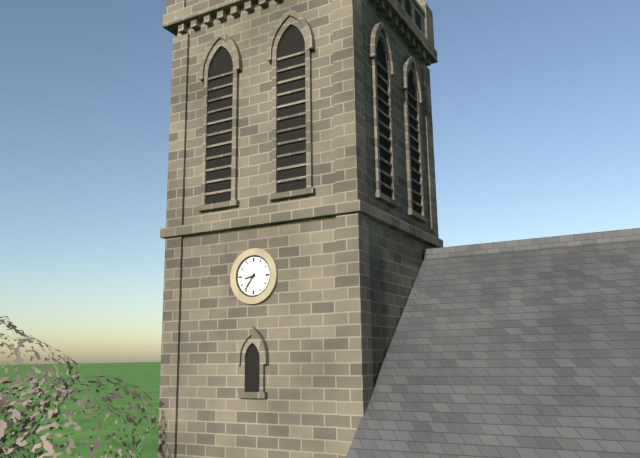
8:36
